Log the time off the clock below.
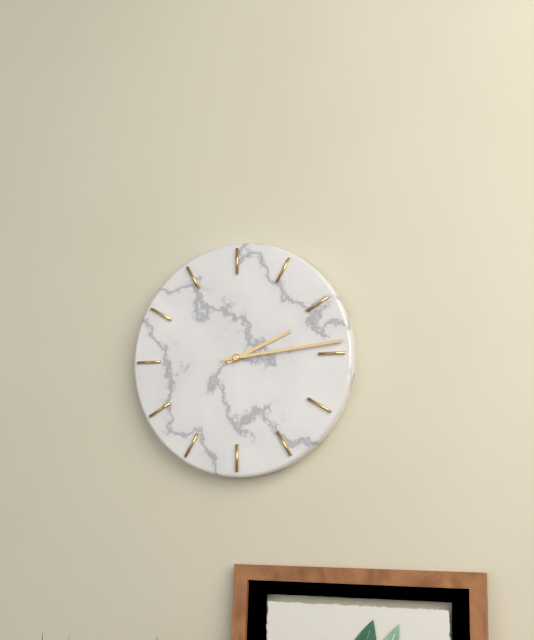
2:14
